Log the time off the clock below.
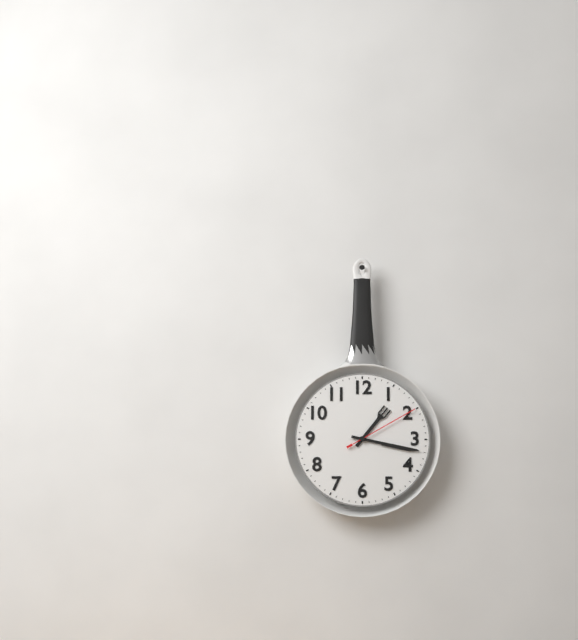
1:17:10
